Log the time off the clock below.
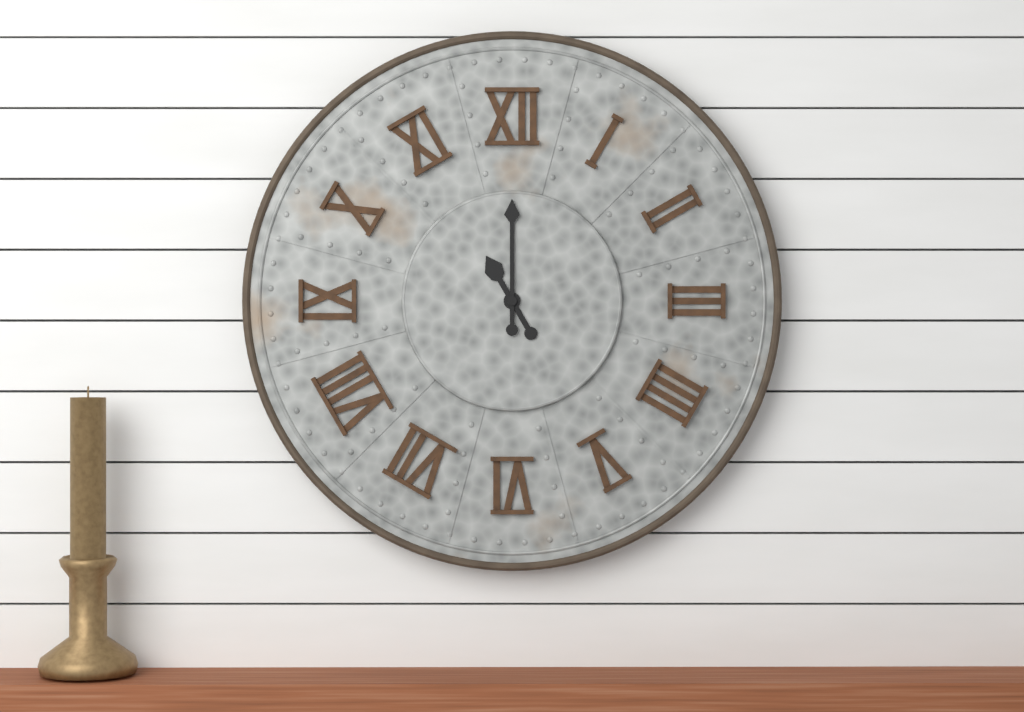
11:00
